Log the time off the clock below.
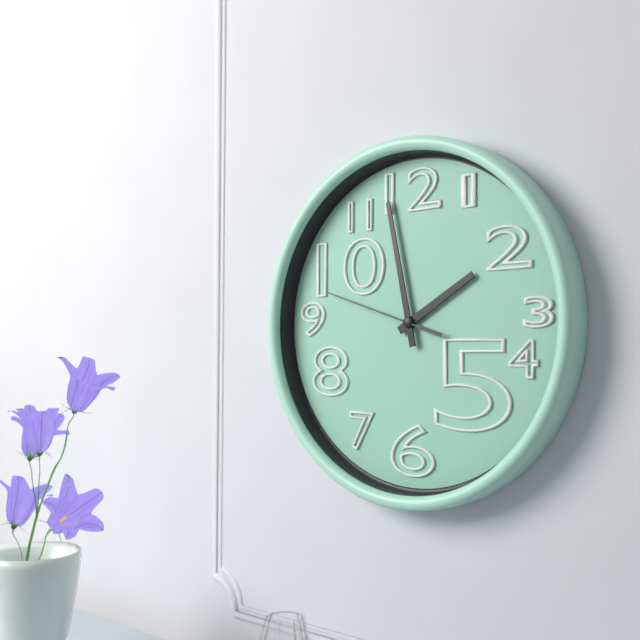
1:58:48
